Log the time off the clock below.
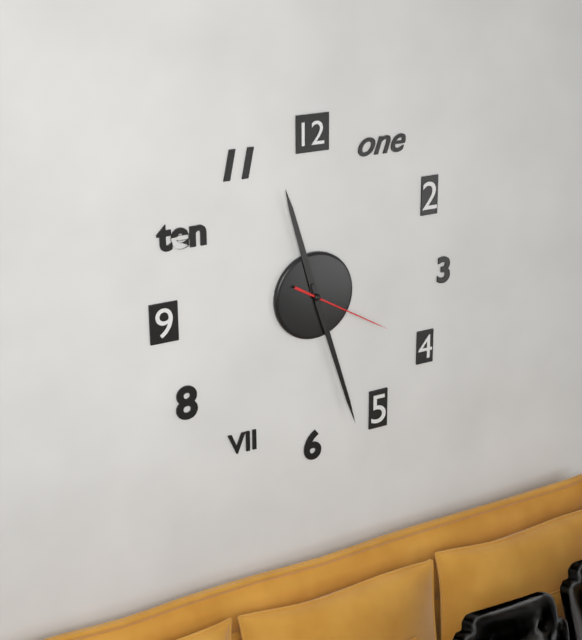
11:27:20
